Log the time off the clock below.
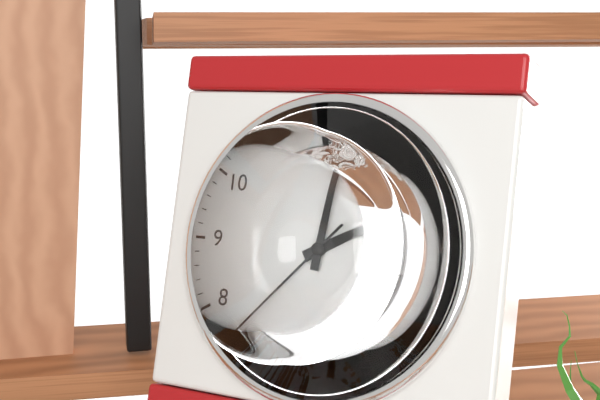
2:01:37
